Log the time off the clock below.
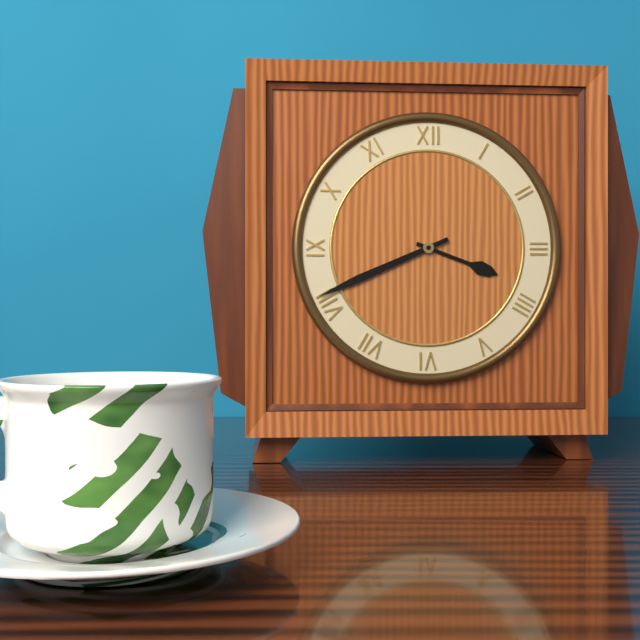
3:41
